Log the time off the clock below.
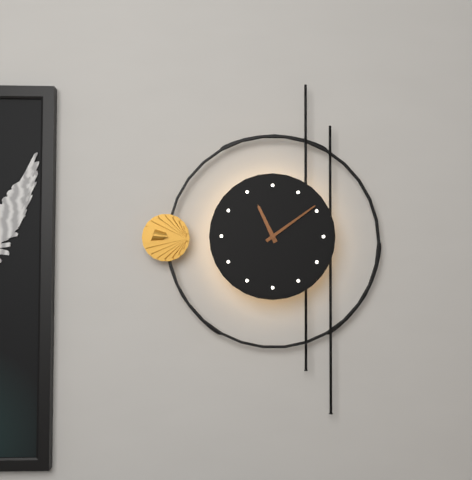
11:09
